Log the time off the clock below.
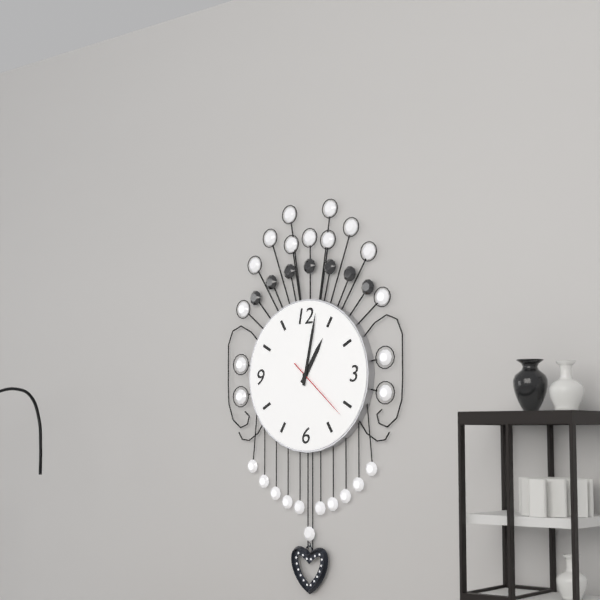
1:02:22
